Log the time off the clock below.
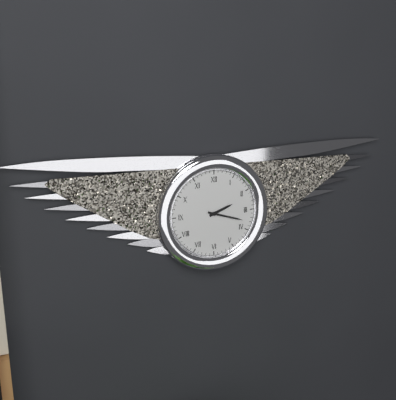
2:18
